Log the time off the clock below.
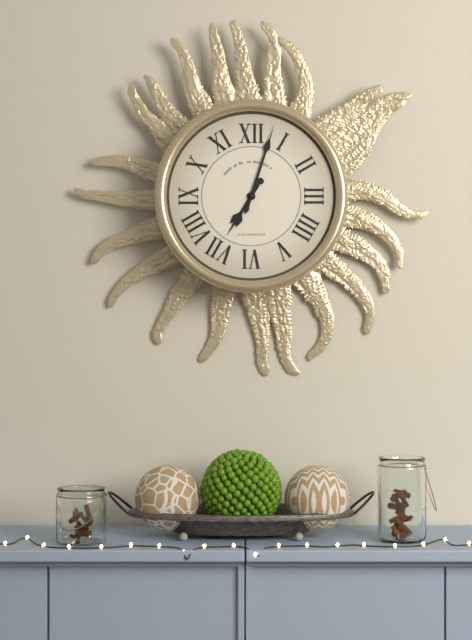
7:03
